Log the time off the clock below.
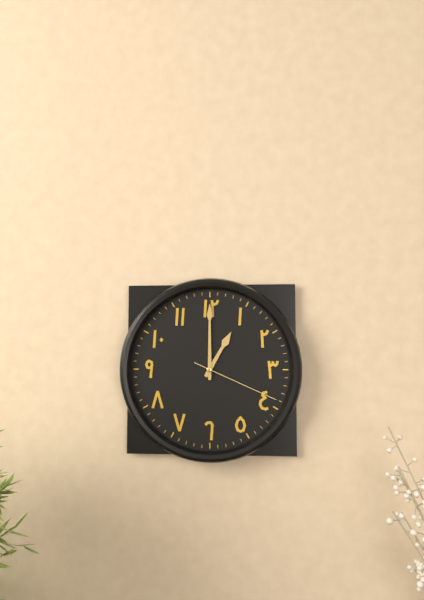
1:00:19
